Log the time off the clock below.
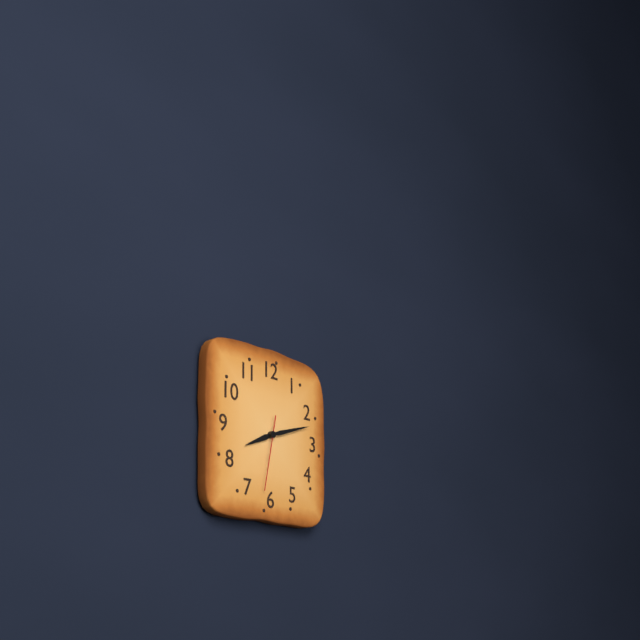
8:12:32
